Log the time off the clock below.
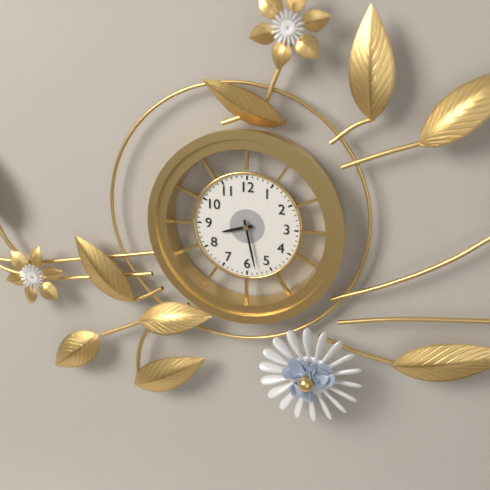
8:28
